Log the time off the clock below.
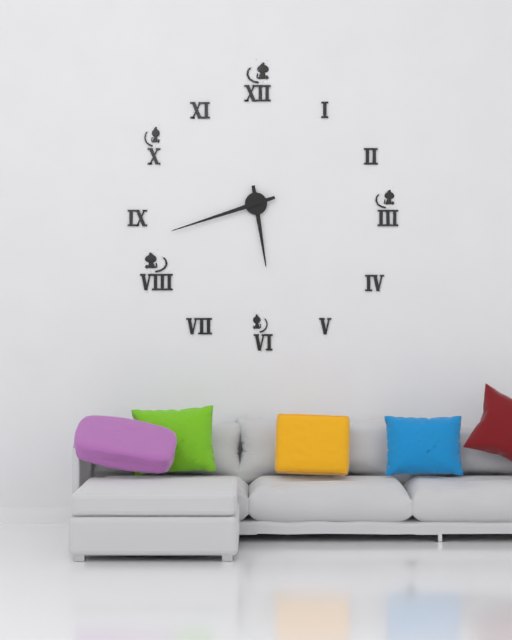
5:42
